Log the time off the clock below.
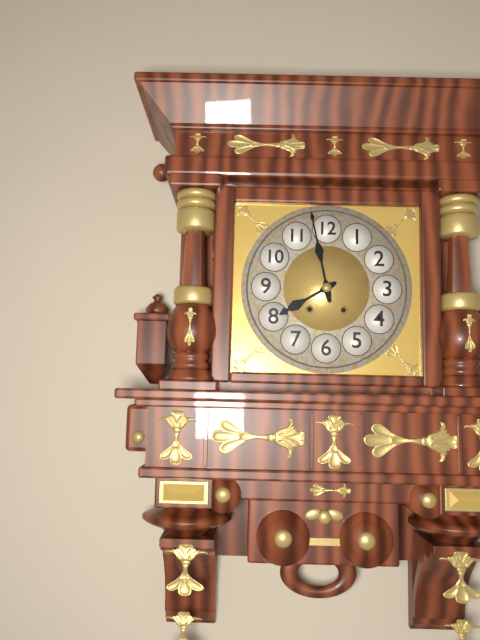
7:58
